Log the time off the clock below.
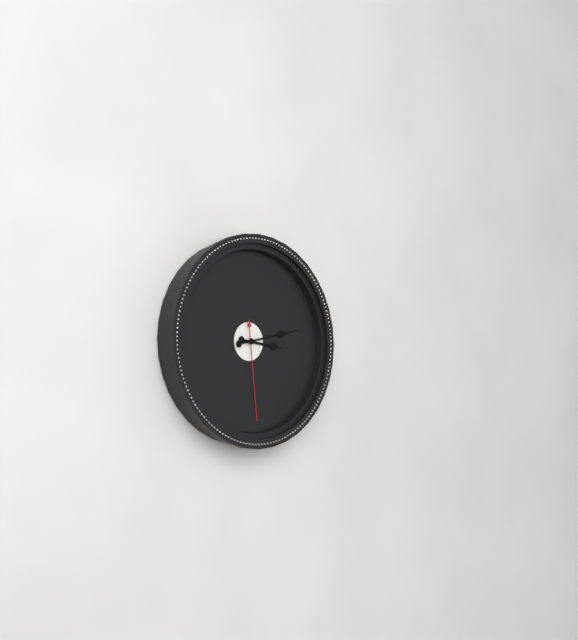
3:13:29
